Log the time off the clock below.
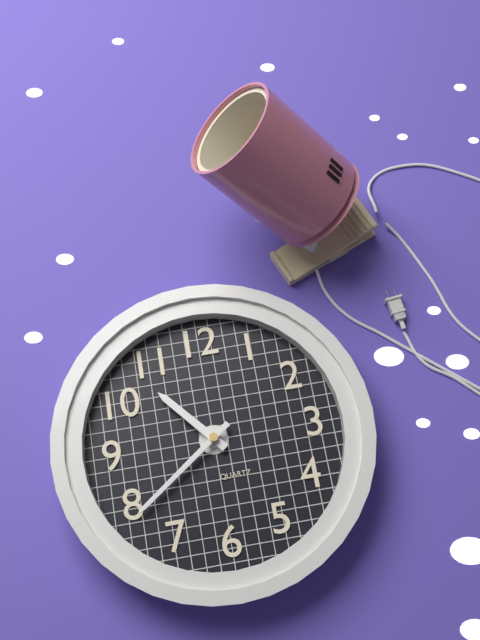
10:39
